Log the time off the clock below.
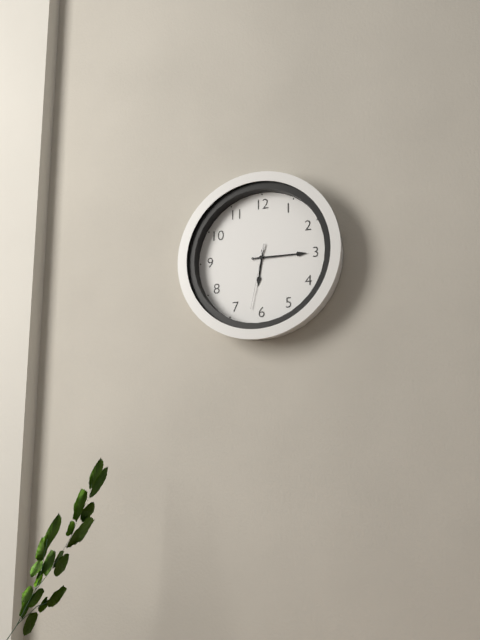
6:15:32
